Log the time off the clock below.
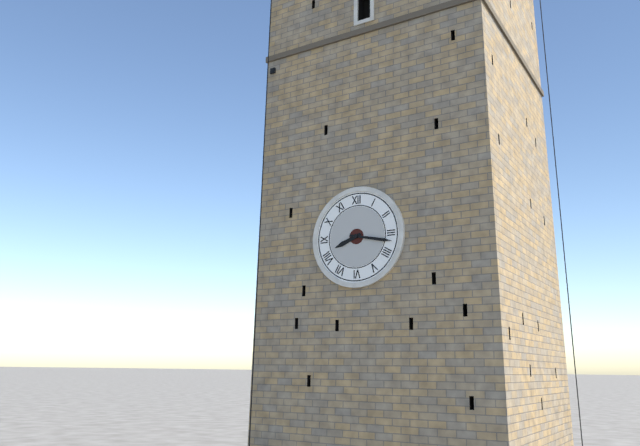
8:17
